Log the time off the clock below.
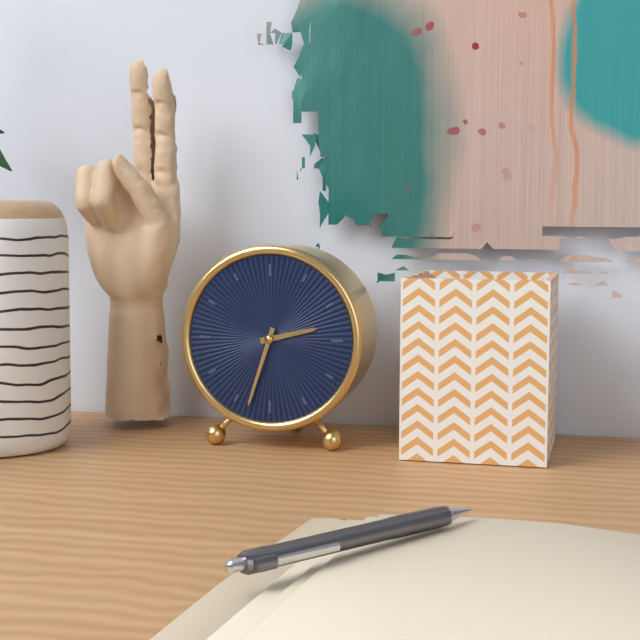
2:33
